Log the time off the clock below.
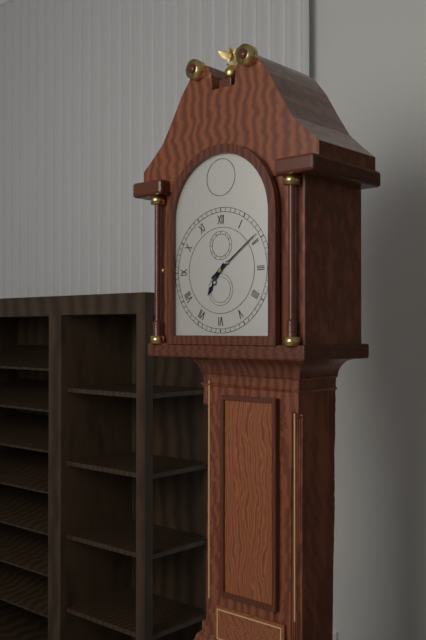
7:09
